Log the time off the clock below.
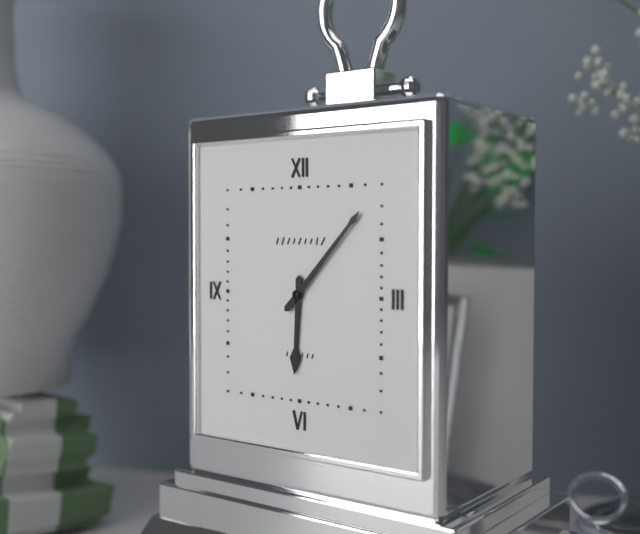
6:07
